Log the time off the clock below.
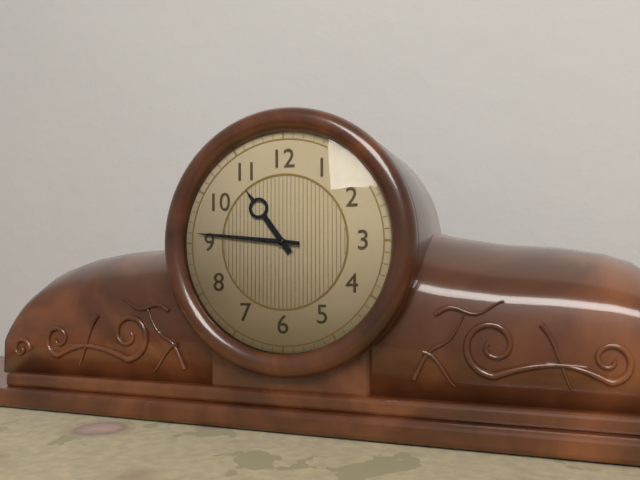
10:46
